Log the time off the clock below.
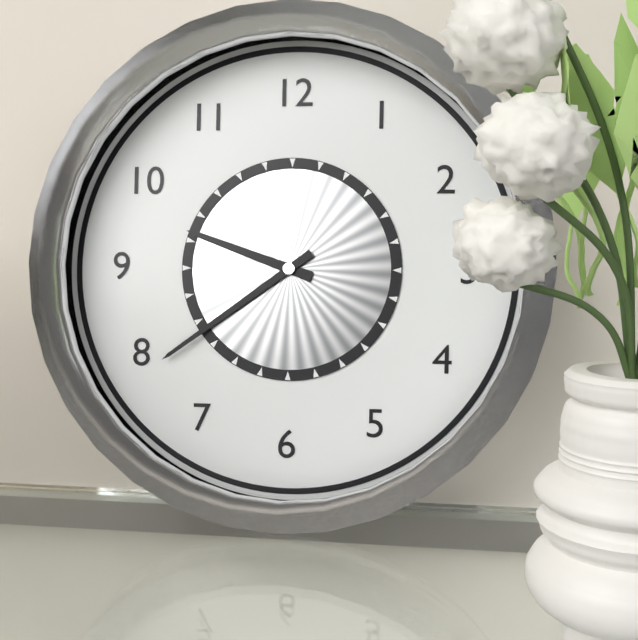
9:39
